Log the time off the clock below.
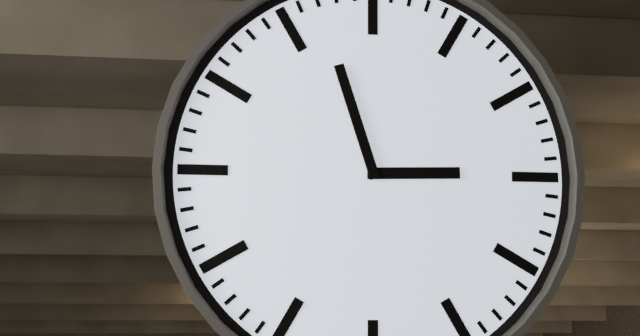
2:57
